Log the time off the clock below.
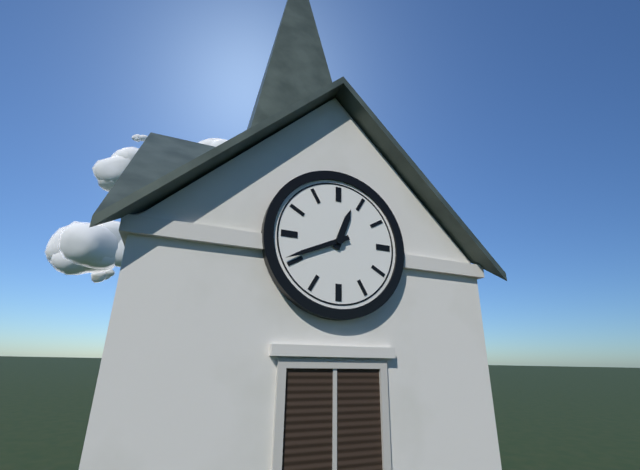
12:41
